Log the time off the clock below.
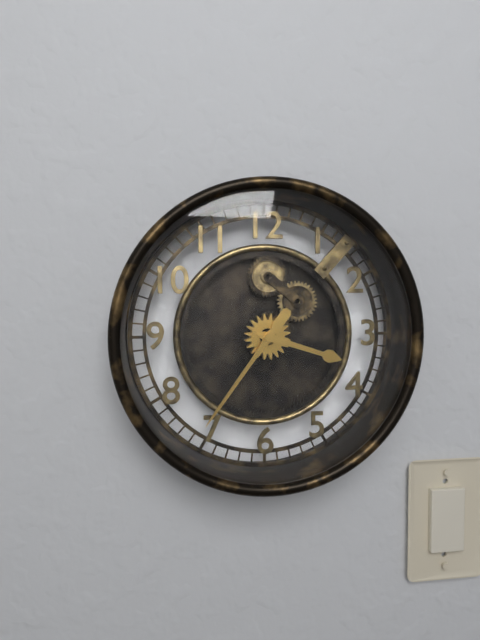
3:36
